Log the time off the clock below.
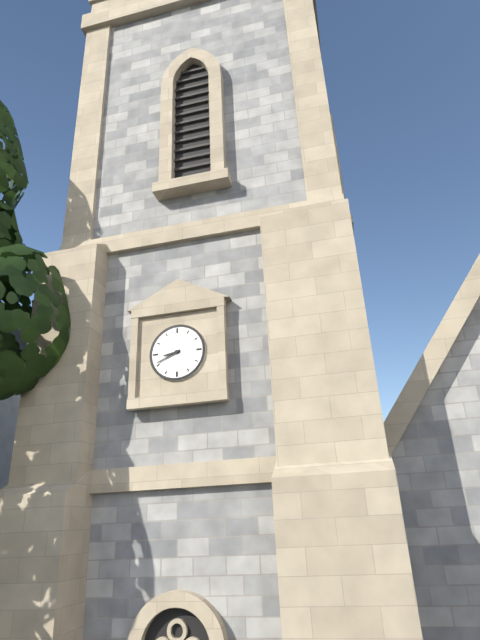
8:41
